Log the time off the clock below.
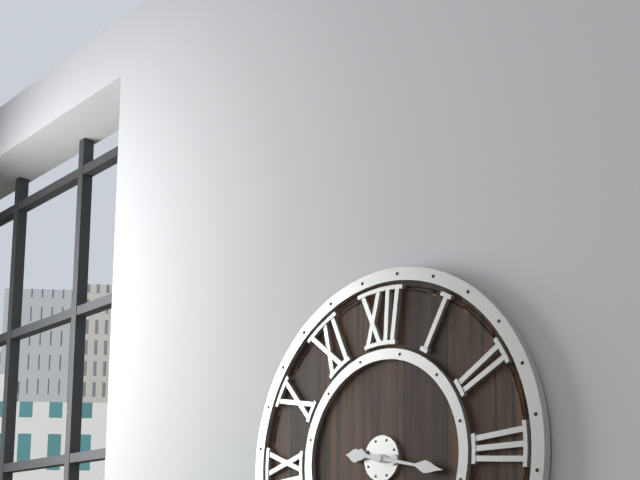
9:17
